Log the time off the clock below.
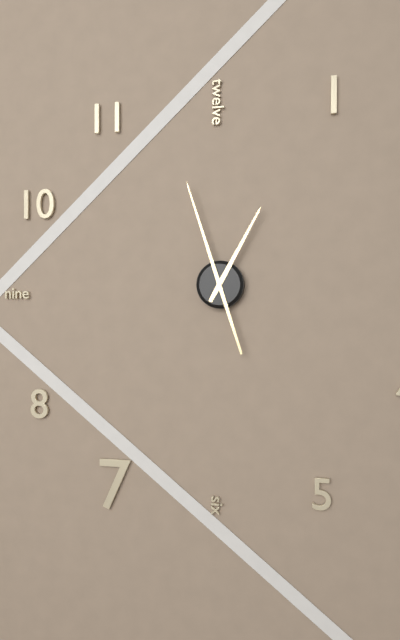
12:57
